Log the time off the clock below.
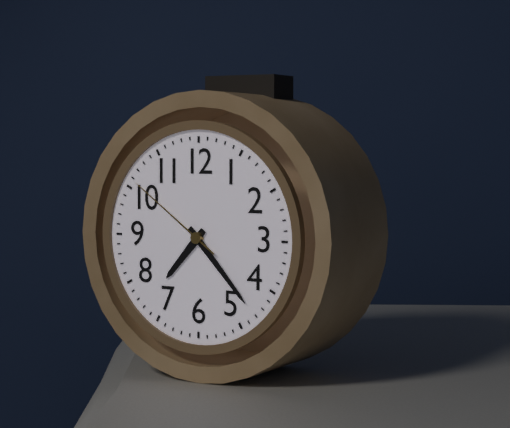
7:23:51
